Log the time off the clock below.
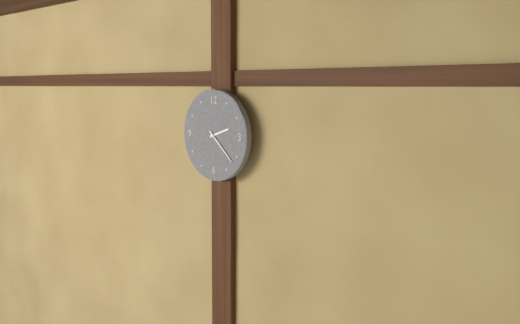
2:22
